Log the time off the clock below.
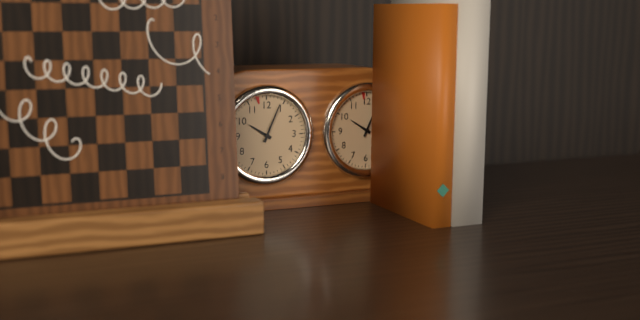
10:04
